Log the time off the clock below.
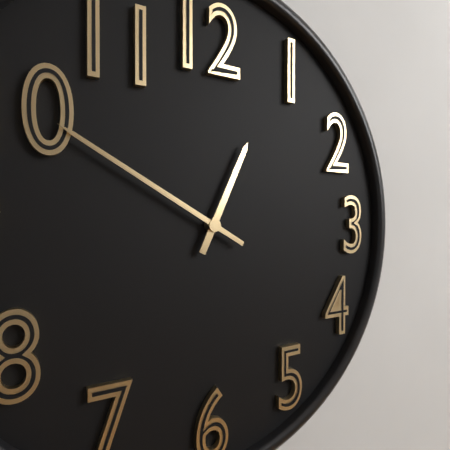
12:50
